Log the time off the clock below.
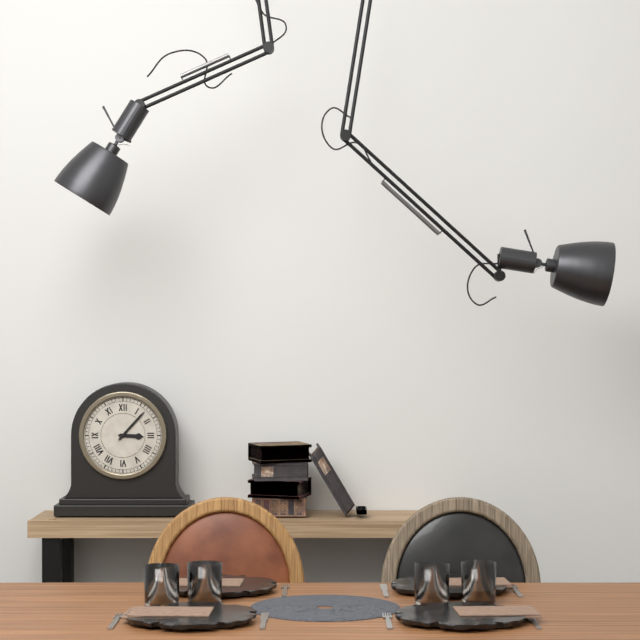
3:07
